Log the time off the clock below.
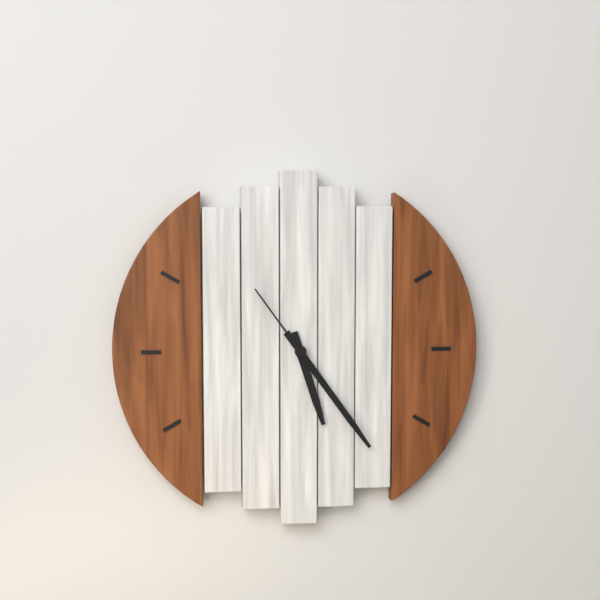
5:24:54
